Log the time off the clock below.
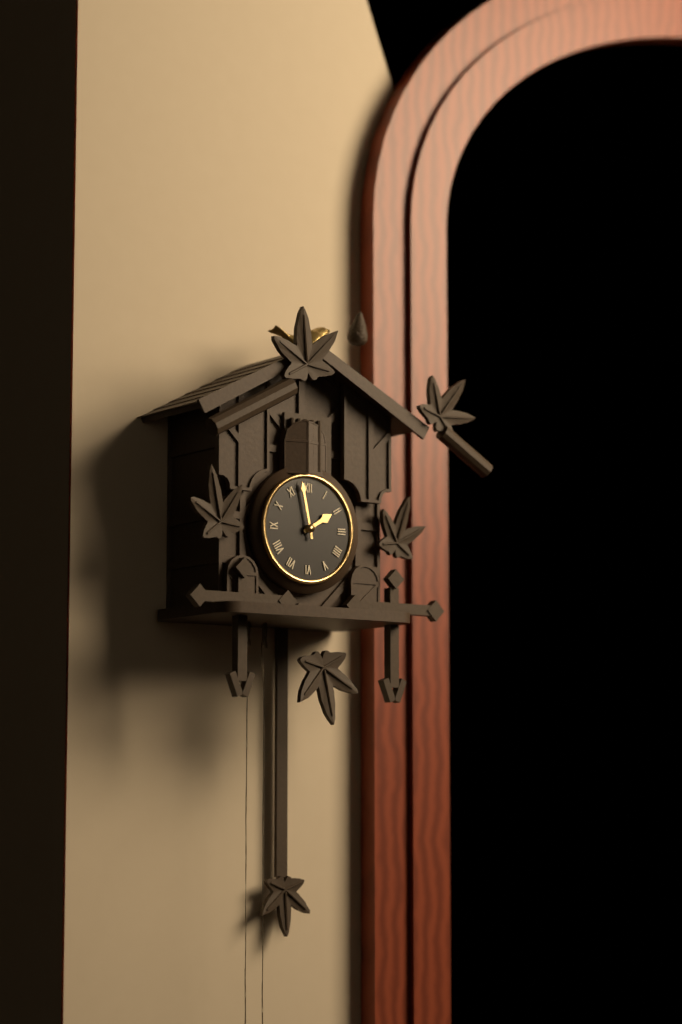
1:58
